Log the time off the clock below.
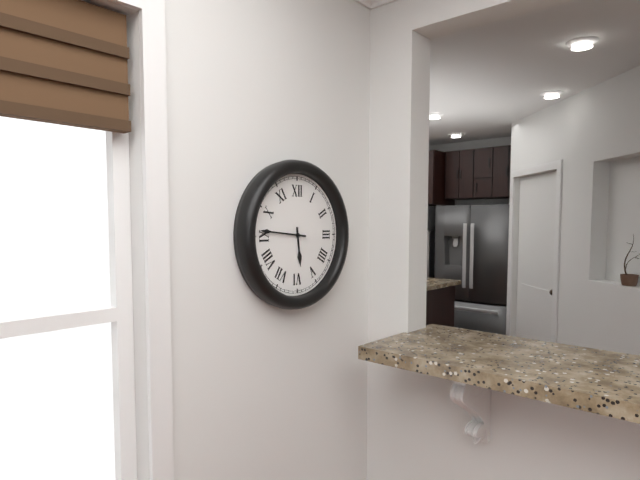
5:46
